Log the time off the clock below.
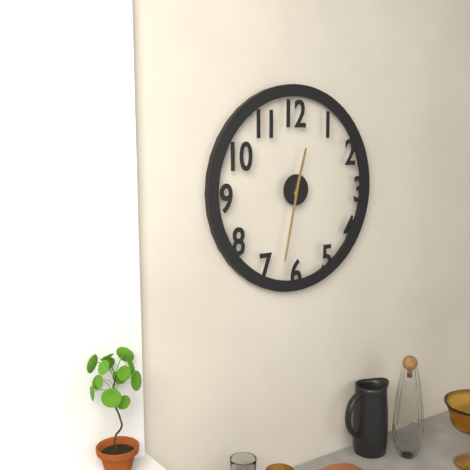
12:32
